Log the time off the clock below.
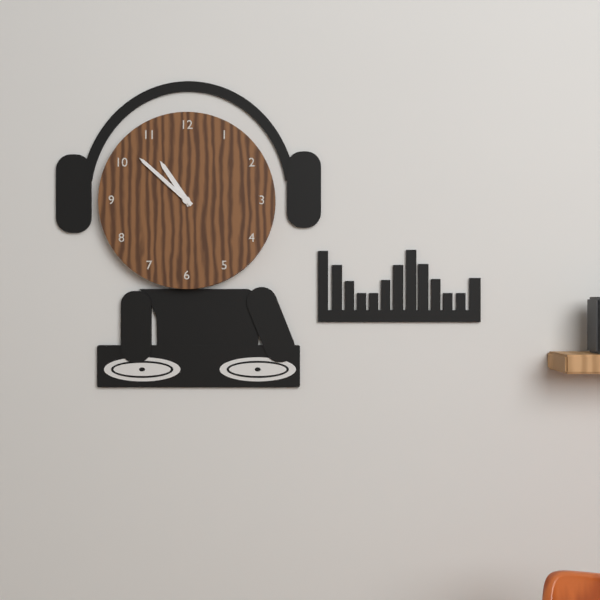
10:52
